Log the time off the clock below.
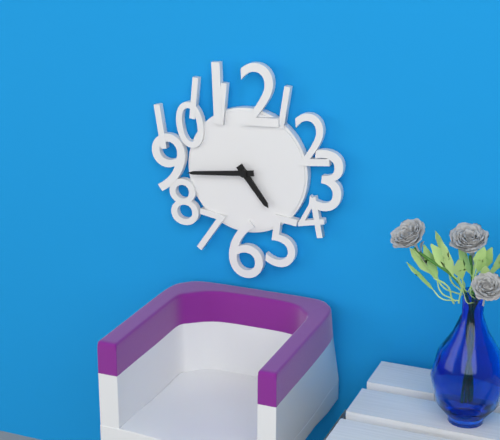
4:44
